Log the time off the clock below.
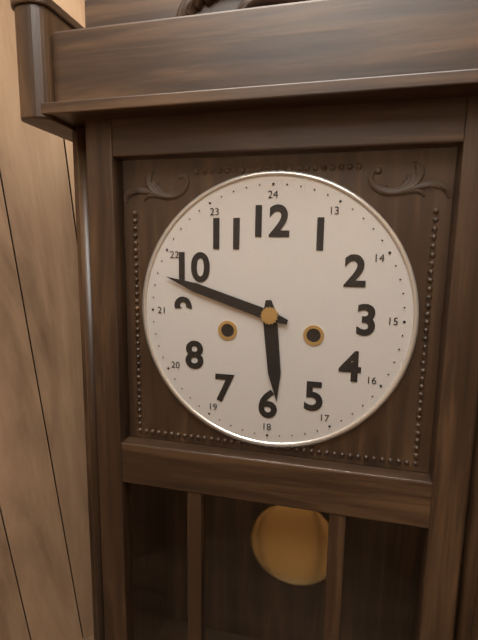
5:48
